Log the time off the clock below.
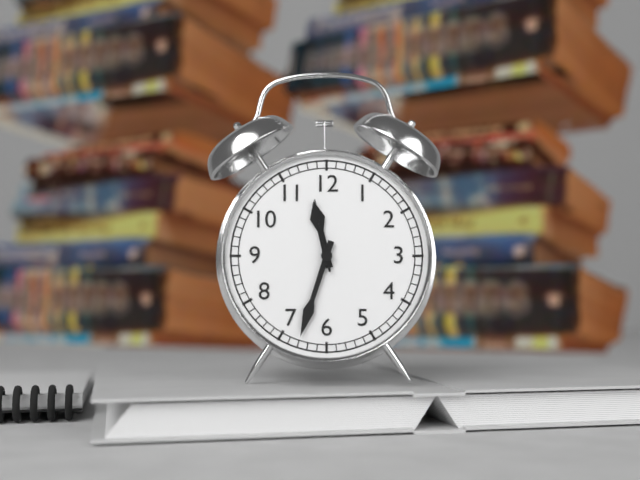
11:33:58
